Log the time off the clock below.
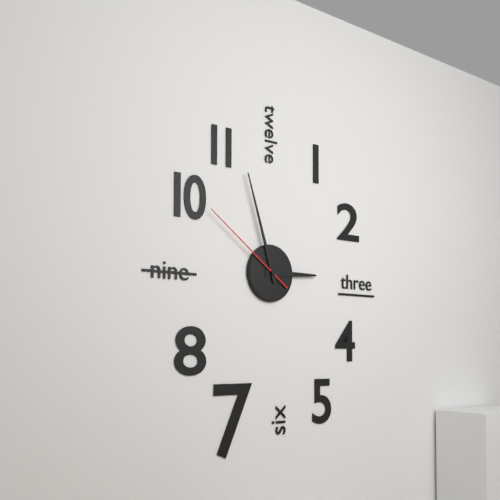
2:57:51
